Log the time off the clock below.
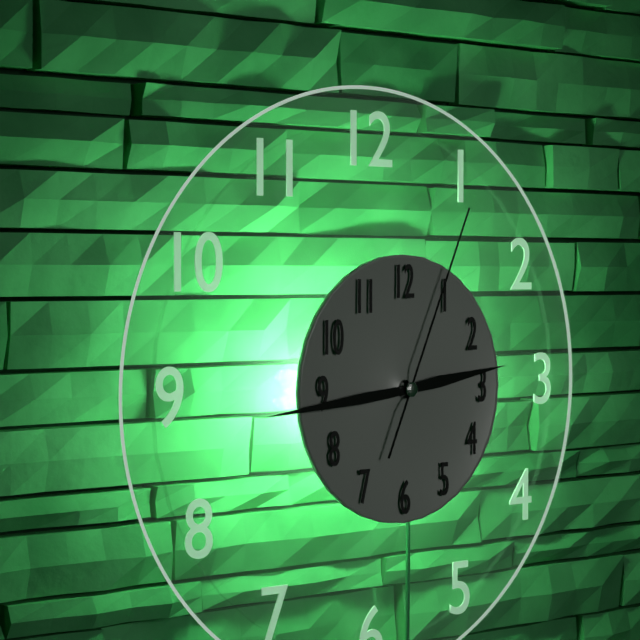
2:44:04
